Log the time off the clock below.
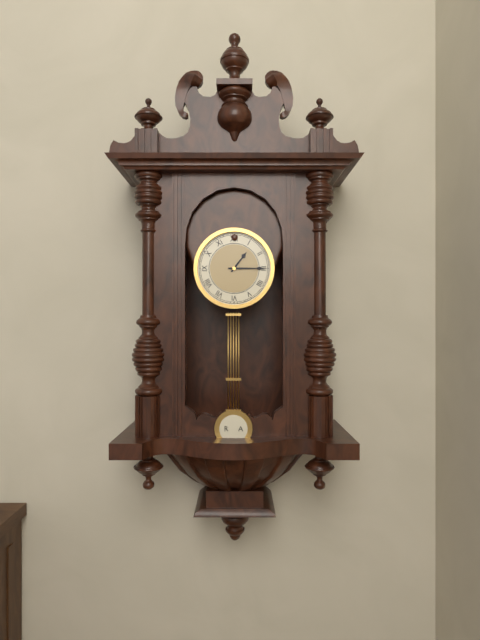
1:15
